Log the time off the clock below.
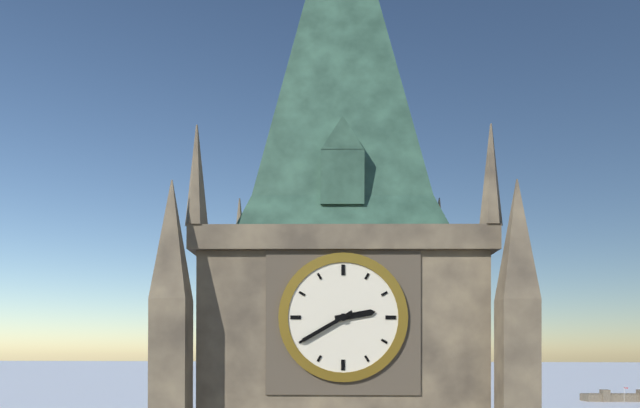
2:40
